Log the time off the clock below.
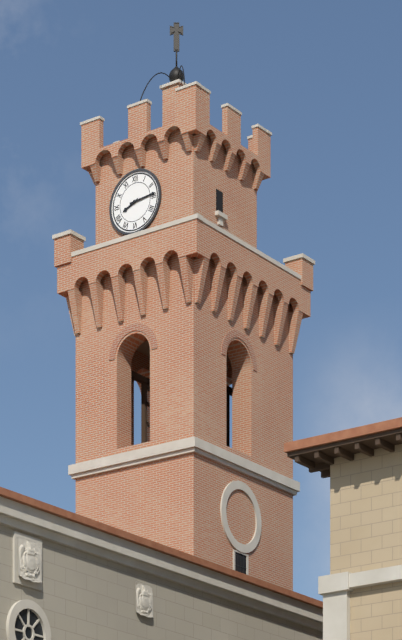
8:14
